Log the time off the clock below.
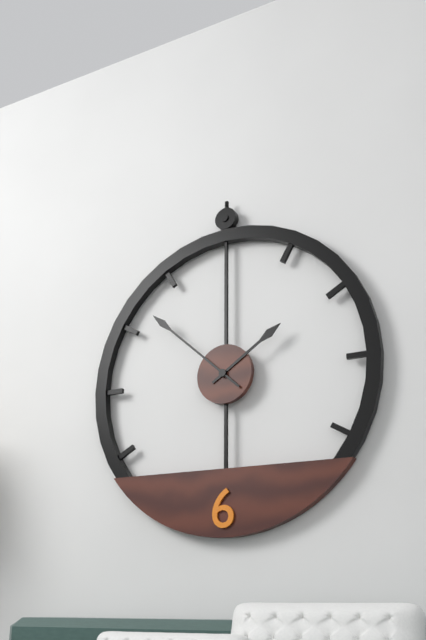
1:52
